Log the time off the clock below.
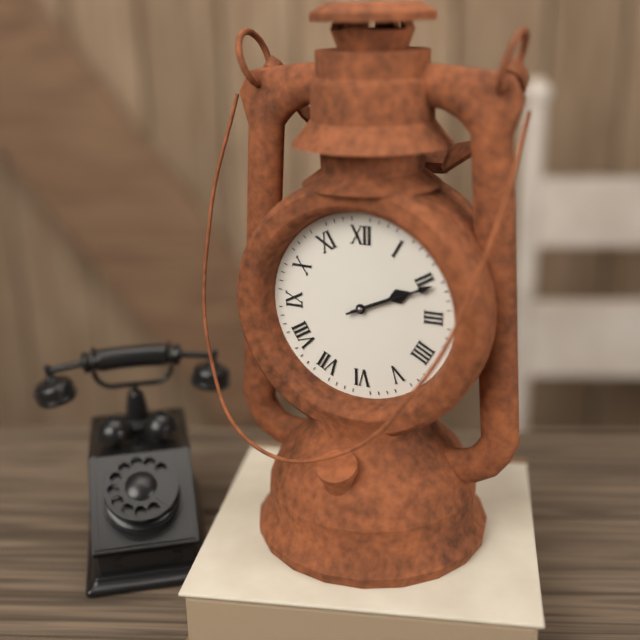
2:11
